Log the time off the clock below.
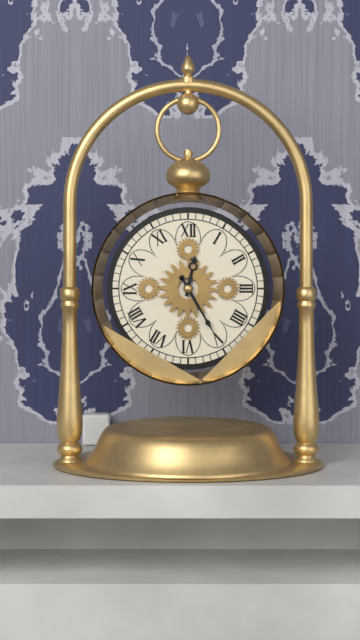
12:25
